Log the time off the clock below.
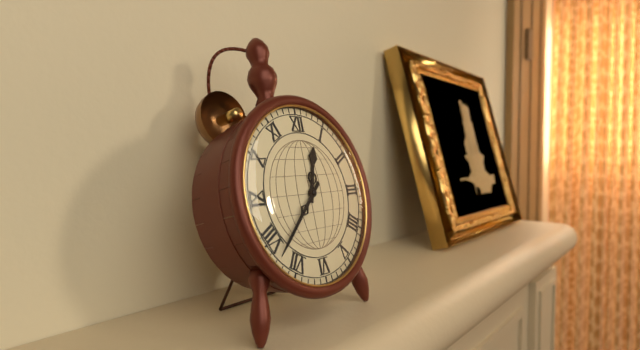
12:38
